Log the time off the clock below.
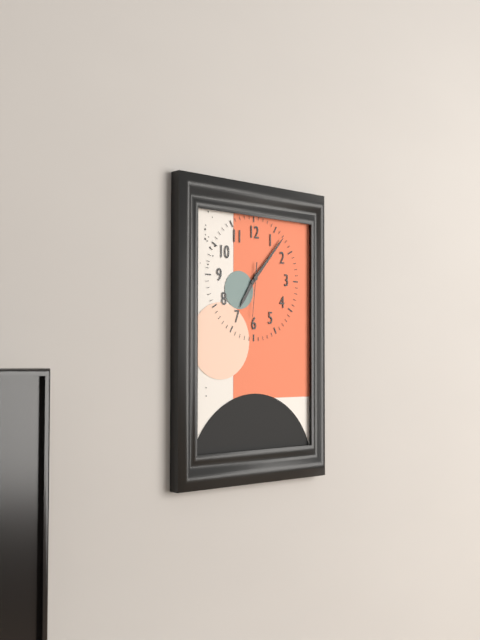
7:07
